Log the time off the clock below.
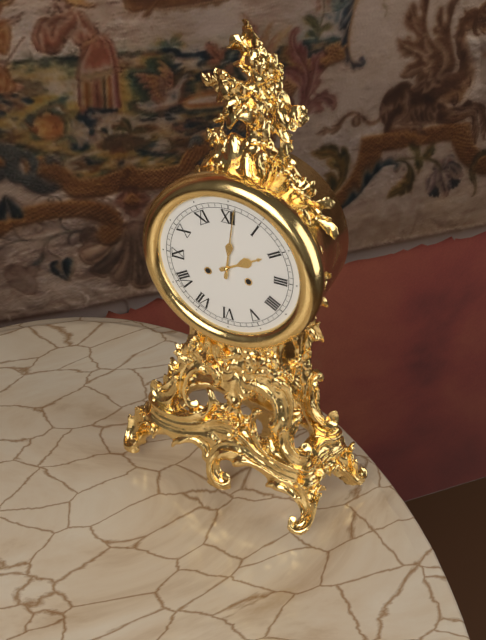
2:01
